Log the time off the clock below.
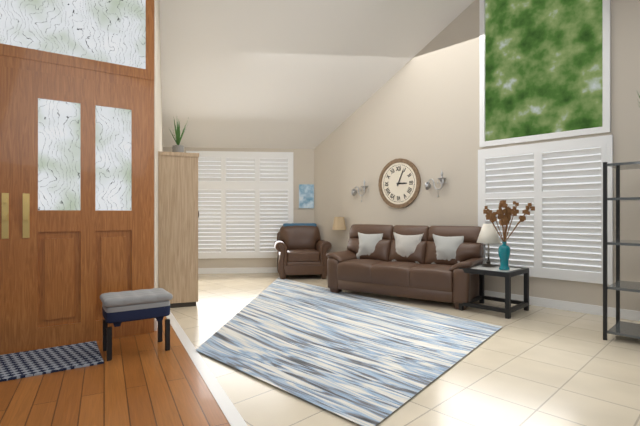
3:04
